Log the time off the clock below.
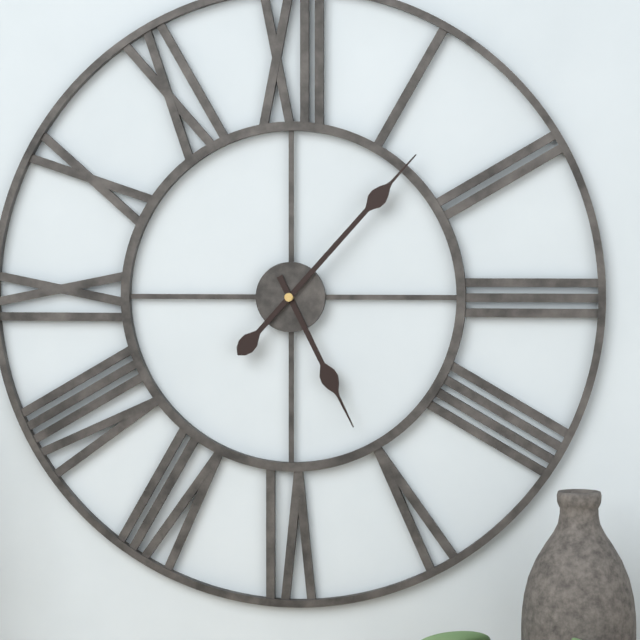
5:07
